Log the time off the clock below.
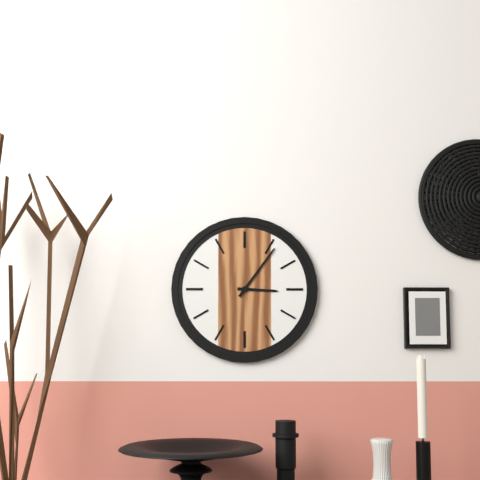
3:06
